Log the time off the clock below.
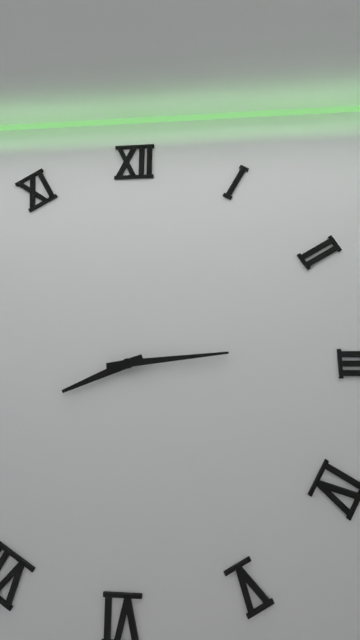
8:14
